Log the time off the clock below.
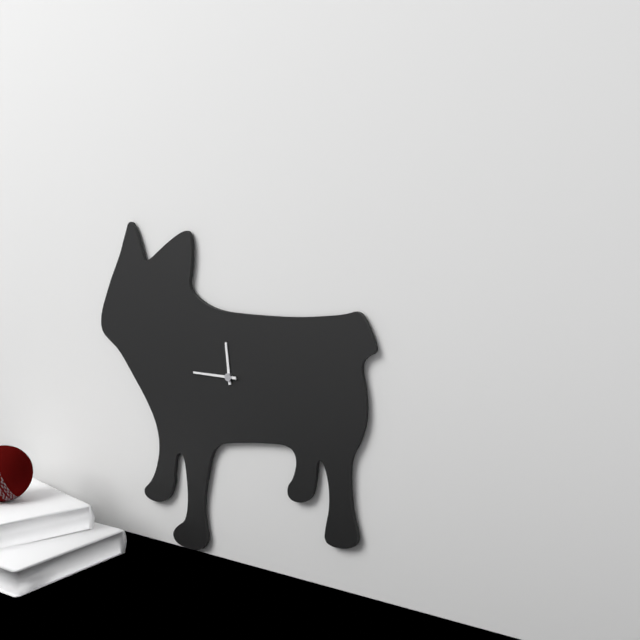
11:45
